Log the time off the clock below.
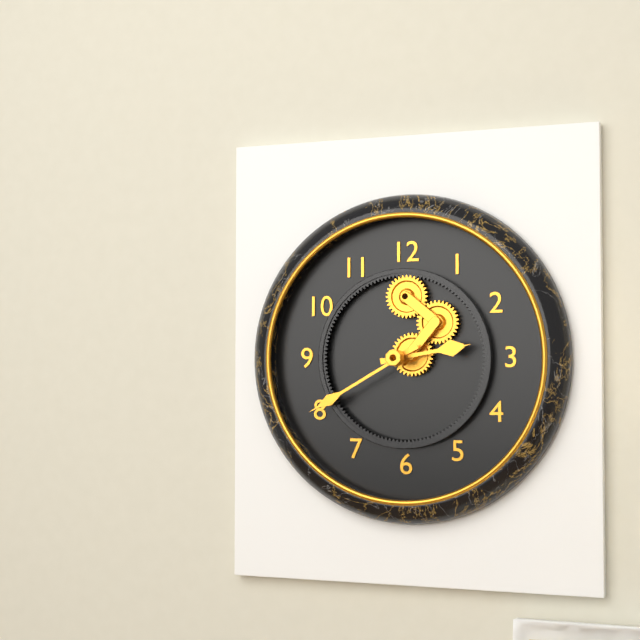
2:40
